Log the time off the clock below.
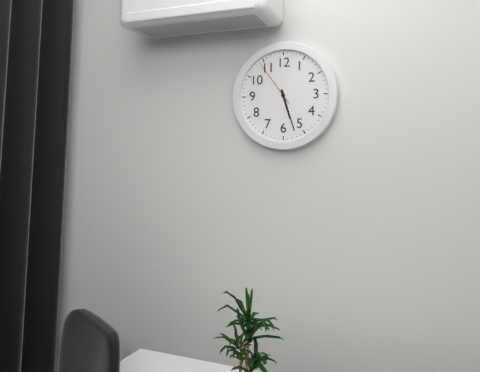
5:27
